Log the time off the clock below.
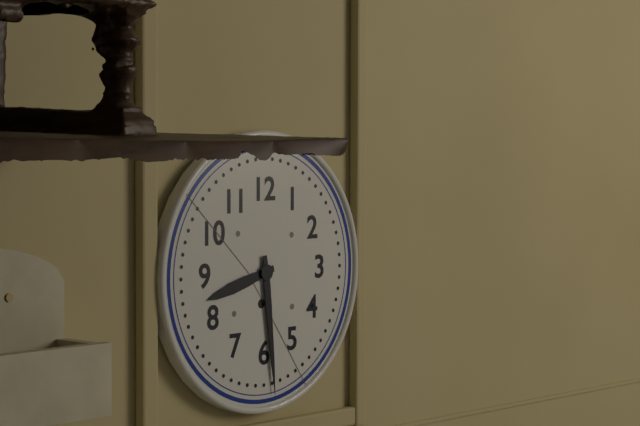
8:29
